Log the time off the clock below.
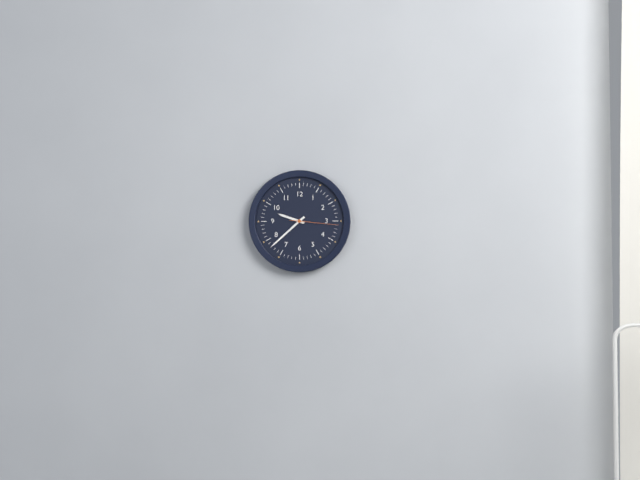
9:38
